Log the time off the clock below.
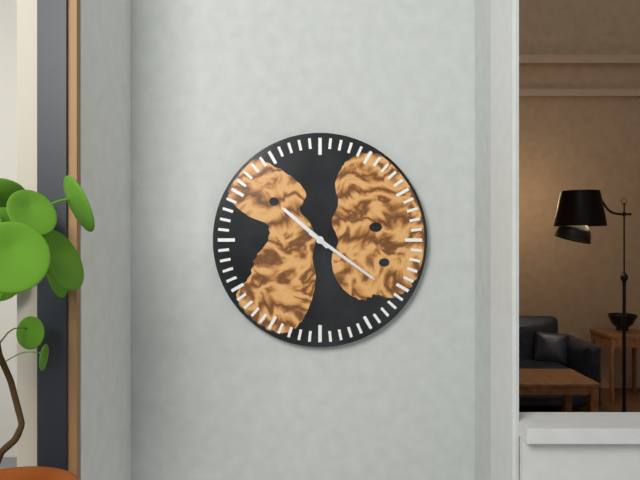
10:21
